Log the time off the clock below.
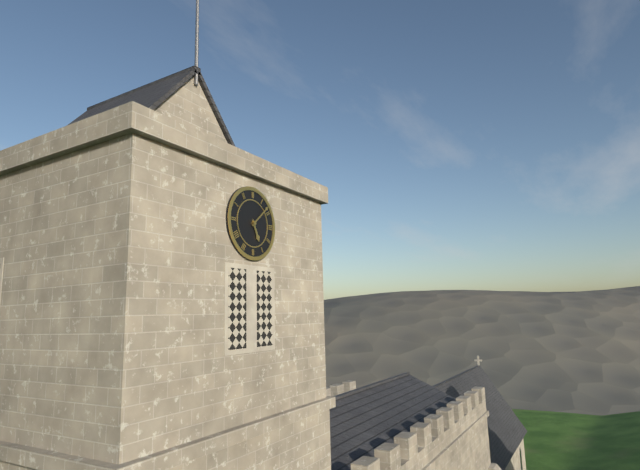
5:08
